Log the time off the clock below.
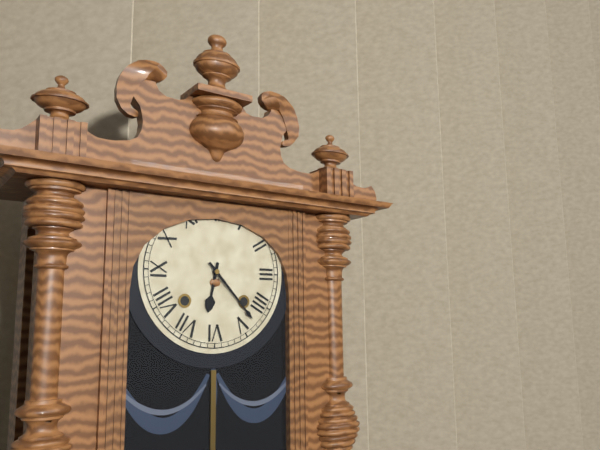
6:23
